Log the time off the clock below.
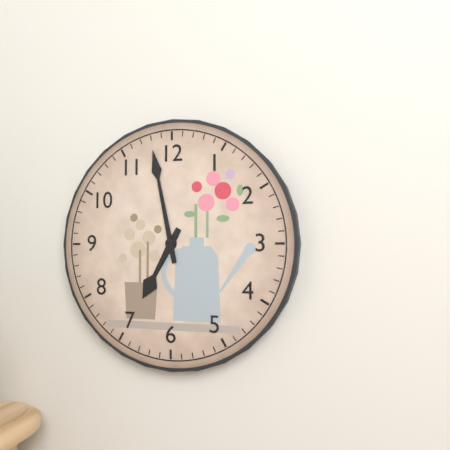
6:58
